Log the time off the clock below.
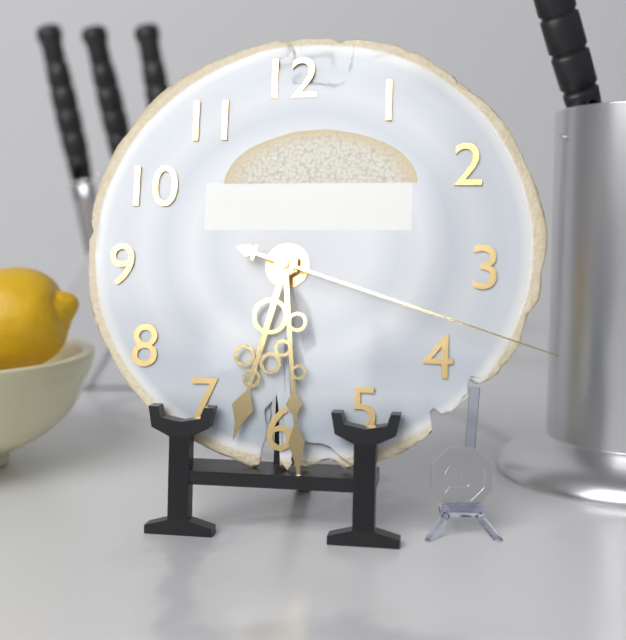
6:29:18
